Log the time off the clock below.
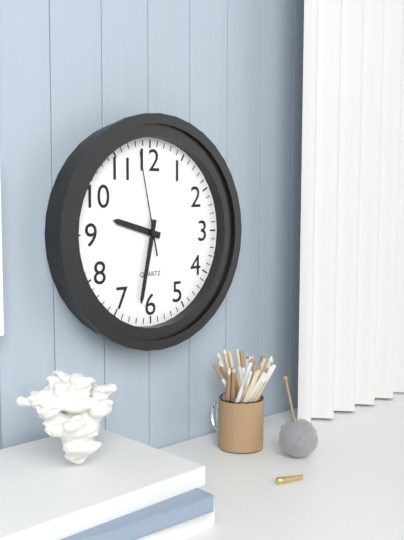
9:32:58
